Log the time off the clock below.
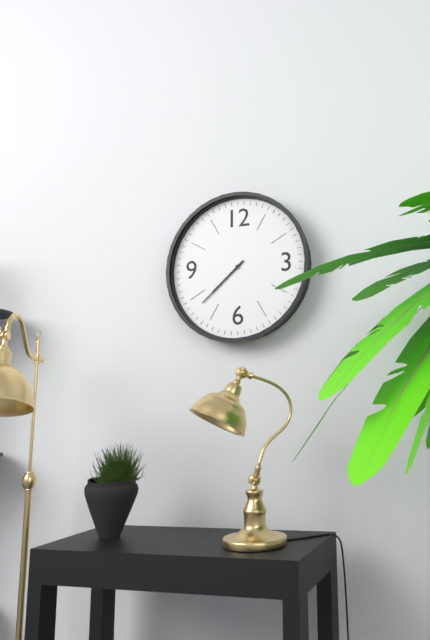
7:38
